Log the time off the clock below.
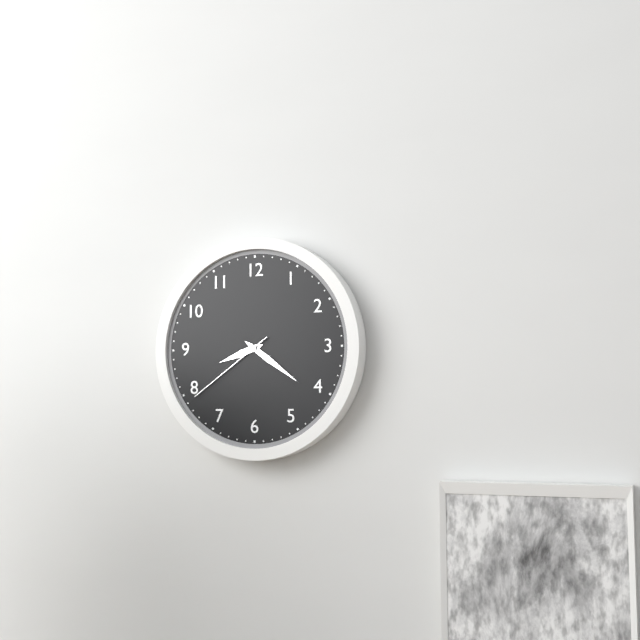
8:21:39
